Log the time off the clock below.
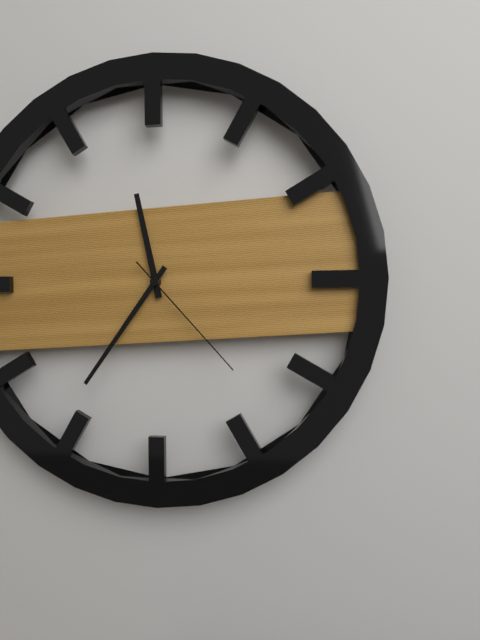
11:36:23
